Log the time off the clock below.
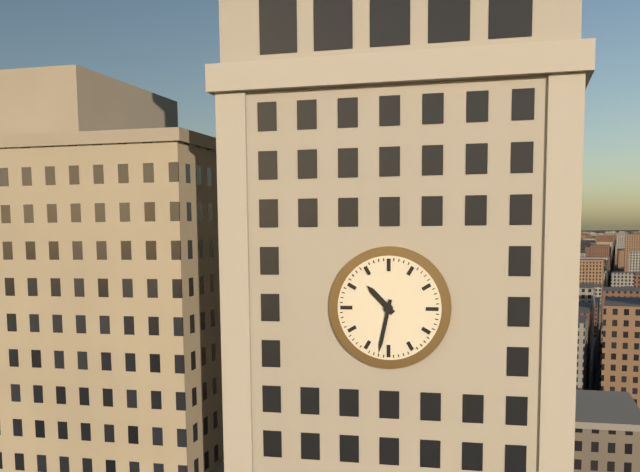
10:32
